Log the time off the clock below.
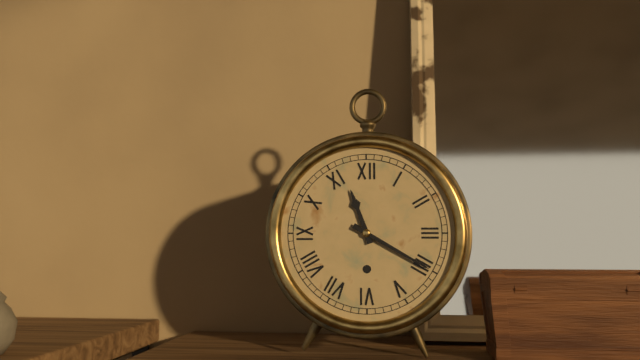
11:20
